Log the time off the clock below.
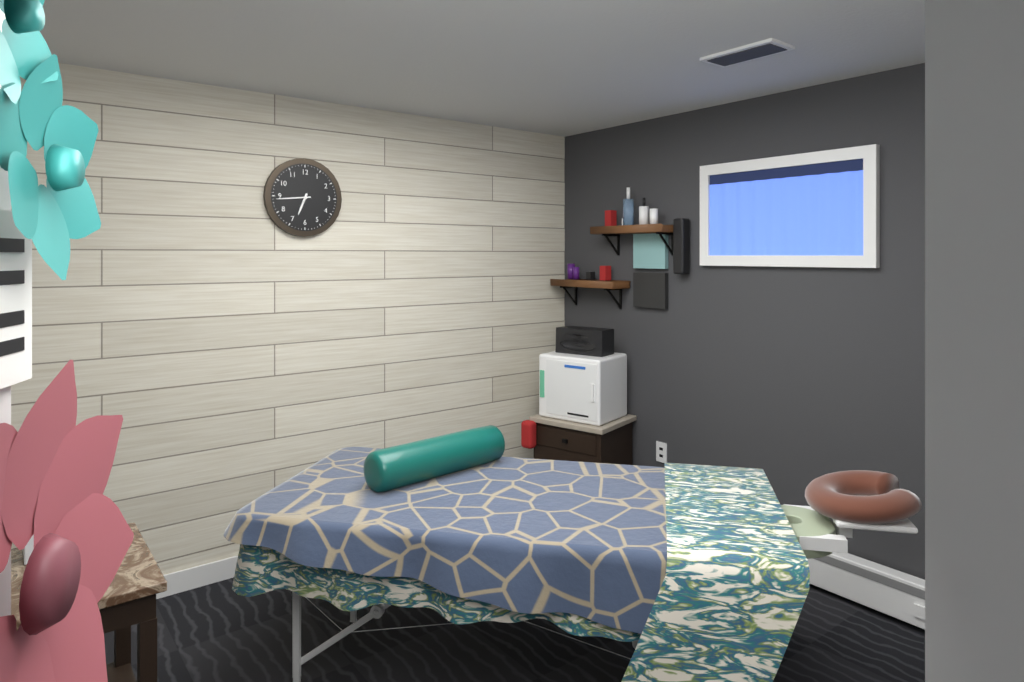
6:44
